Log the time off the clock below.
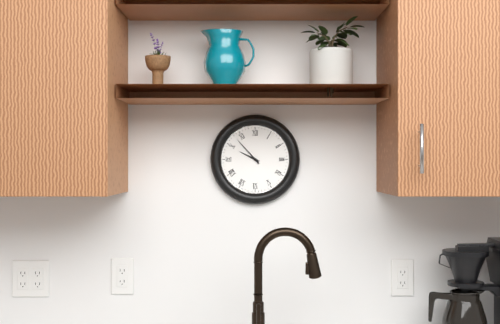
9:53
